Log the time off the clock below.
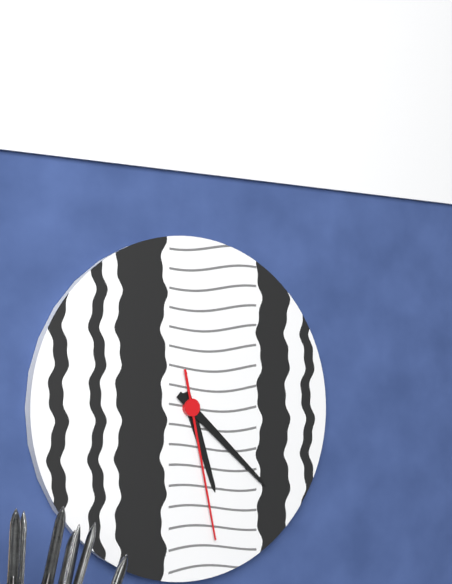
5:22:28
